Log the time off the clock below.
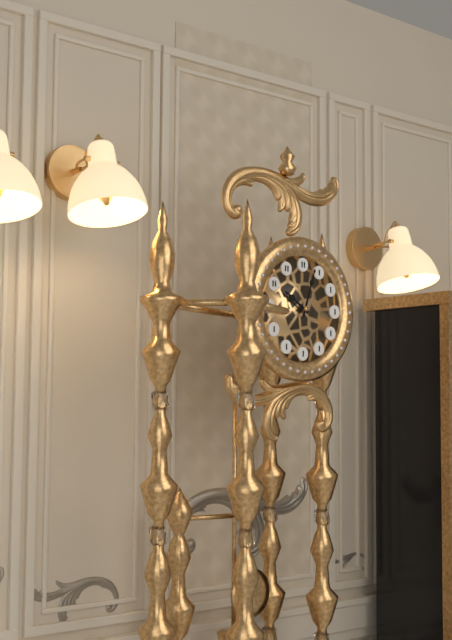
10:03
